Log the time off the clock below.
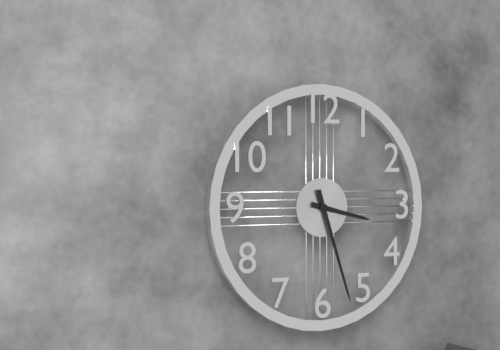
3:27
